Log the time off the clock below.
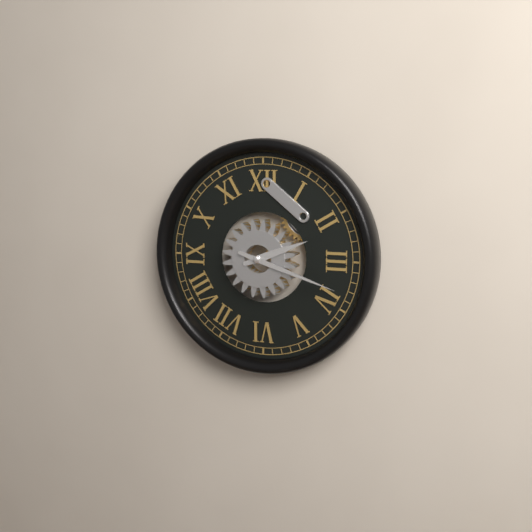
2:18
